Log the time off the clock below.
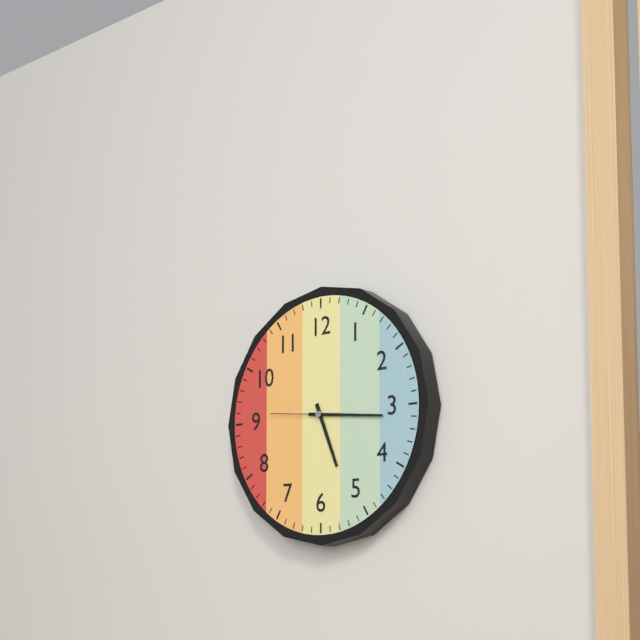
5:16:46
